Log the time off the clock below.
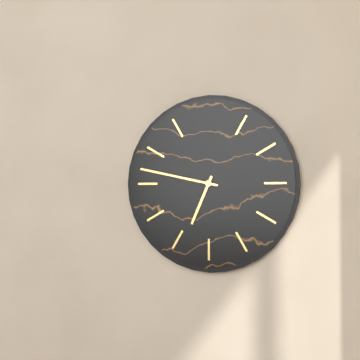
6:47
